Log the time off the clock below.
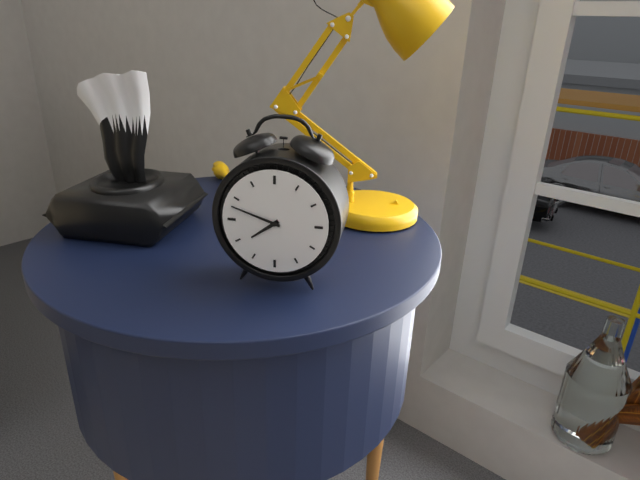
7:48
